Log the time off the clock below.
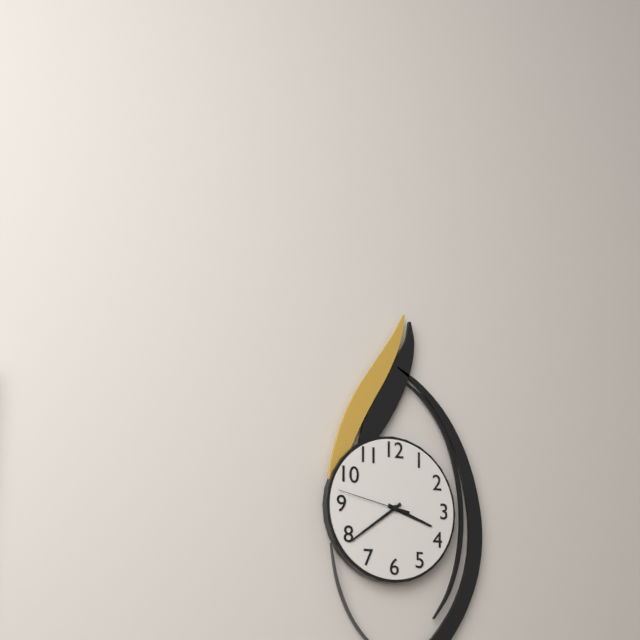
3:39:47
